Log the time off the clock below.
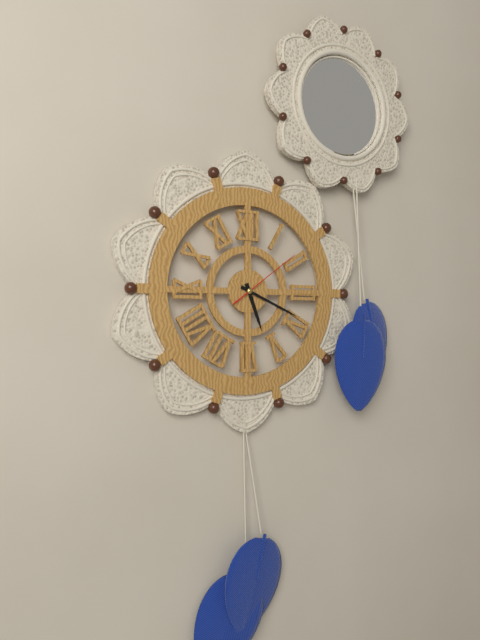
5:19:09
